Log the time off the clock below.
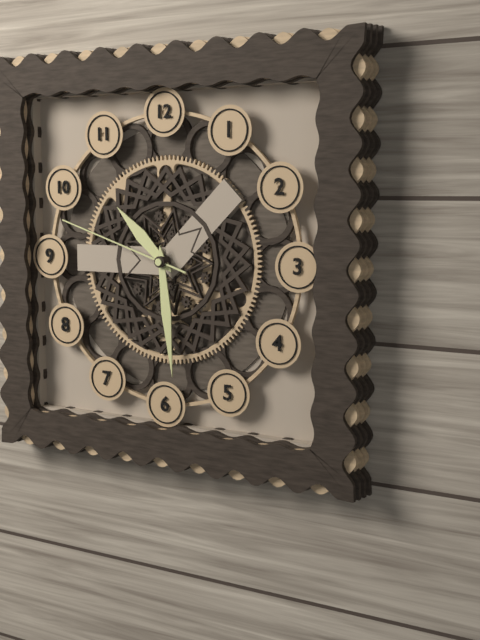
10:29:48
